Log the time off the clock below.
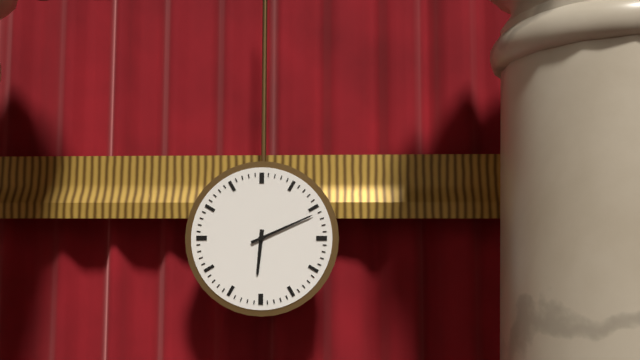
6:11
